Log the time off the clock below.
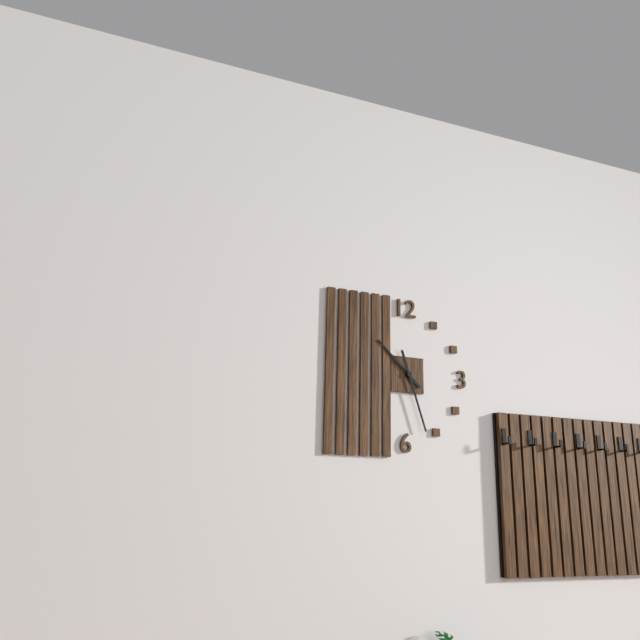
10:27
